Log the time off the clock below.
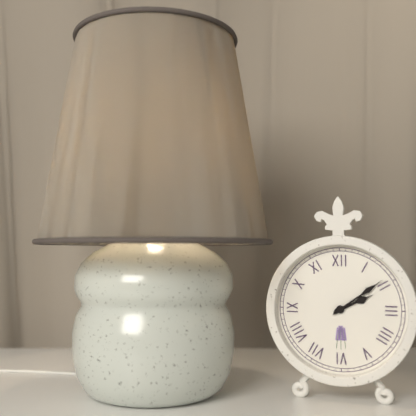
2:09
